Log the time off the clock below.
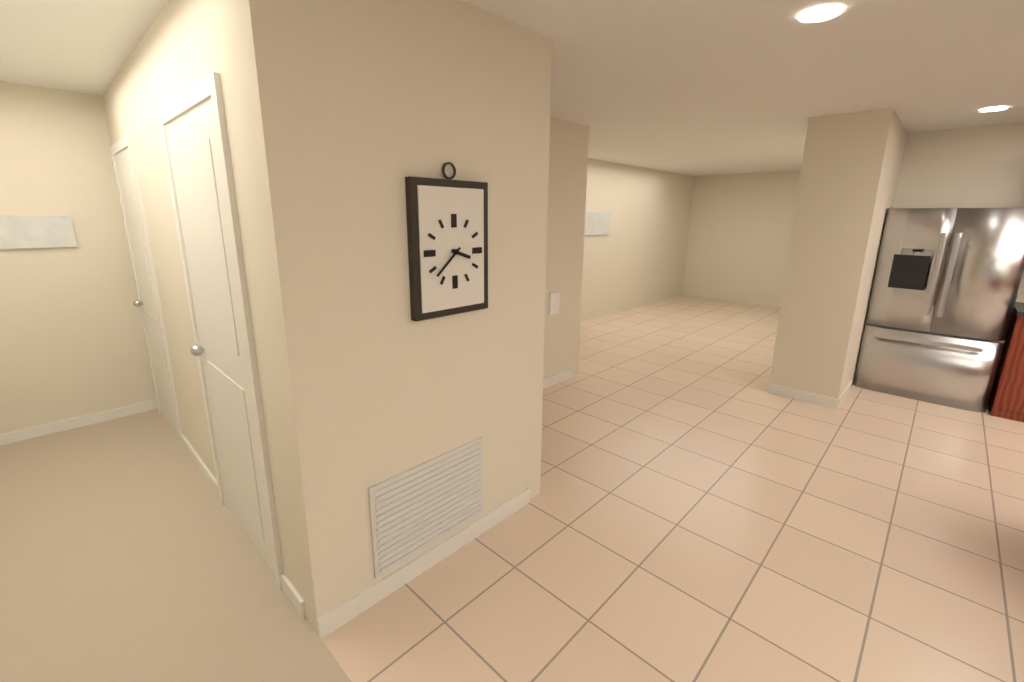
3:38
